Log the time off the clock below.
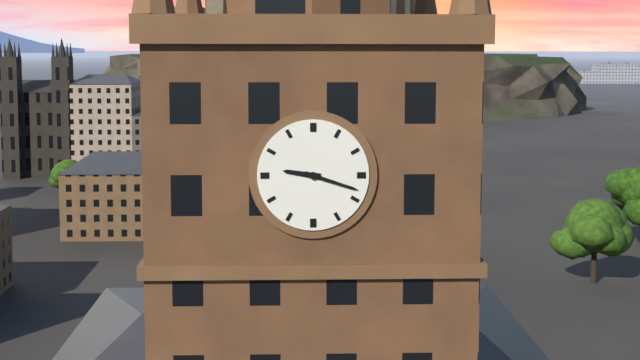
9:18
